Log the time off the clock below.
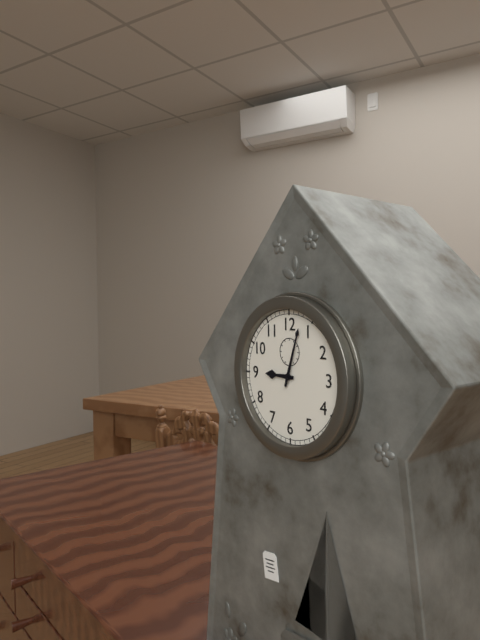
9:03
